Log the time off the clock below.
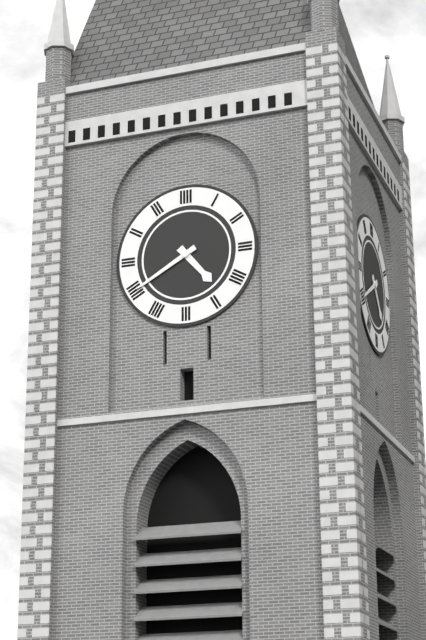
4:40
